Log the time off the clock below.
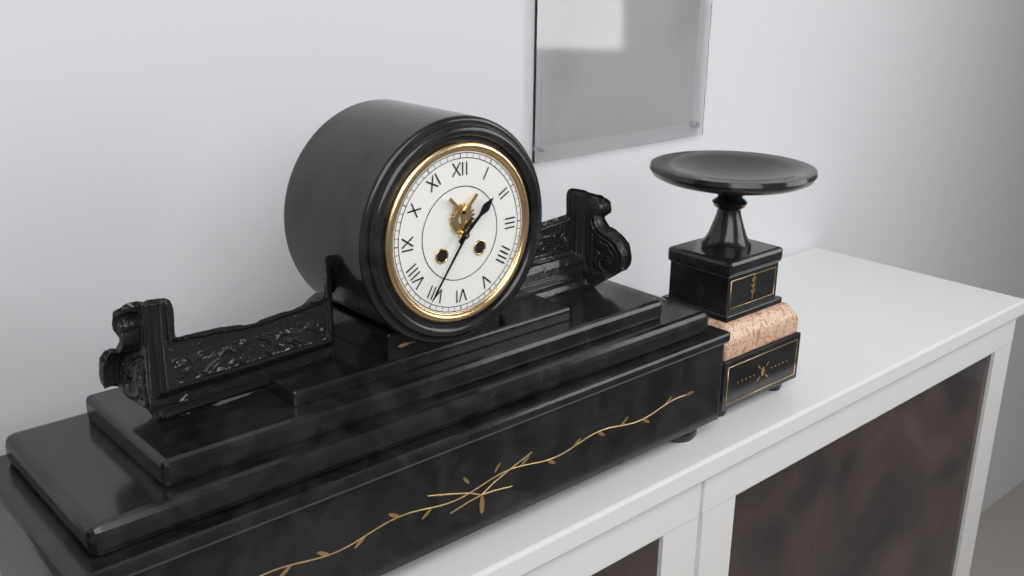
1:36
